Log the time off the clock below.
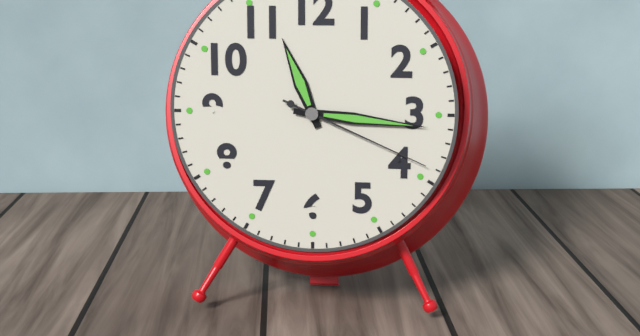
11:16:19
